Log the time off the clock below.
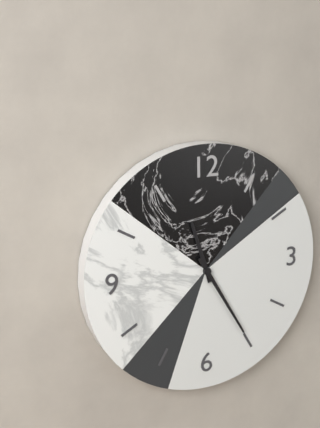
11:25
